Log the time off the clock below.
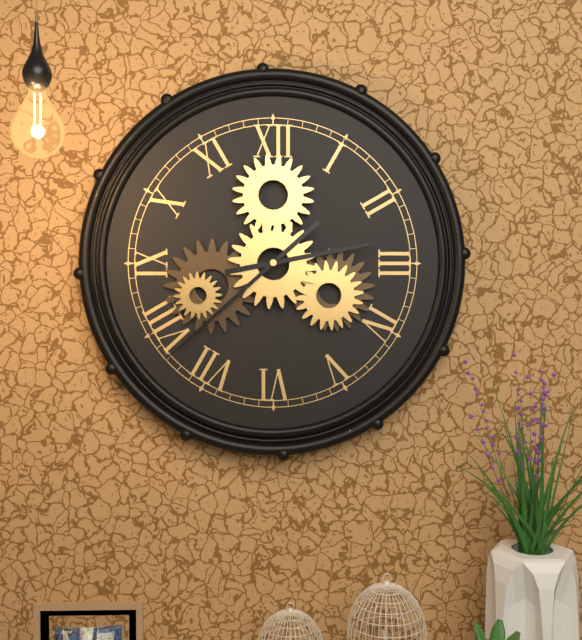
2:38
